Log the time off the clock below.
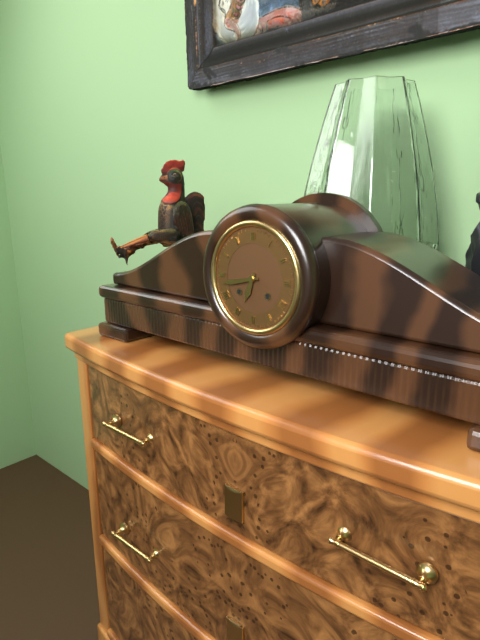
6:43
